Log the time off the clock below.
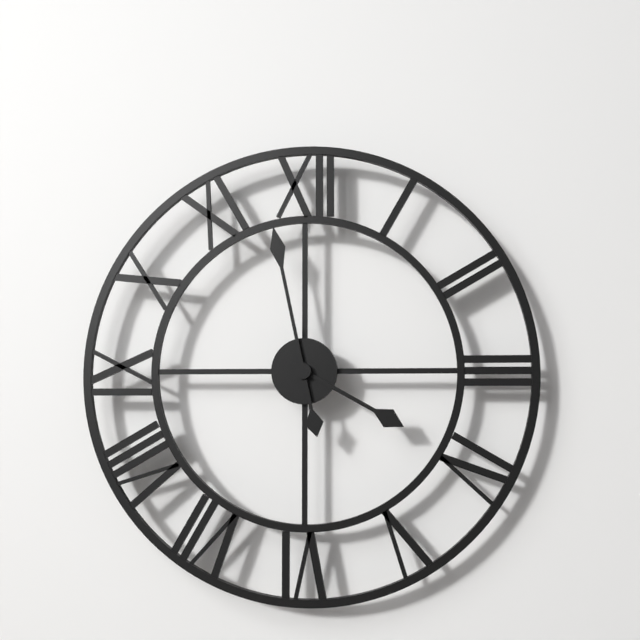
3:58
